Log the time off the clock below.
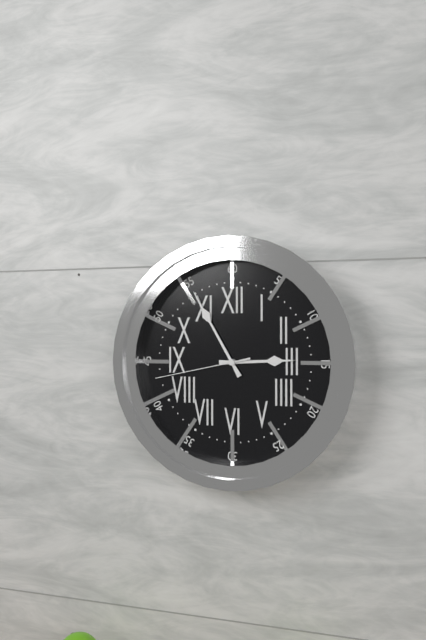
2:55:43
